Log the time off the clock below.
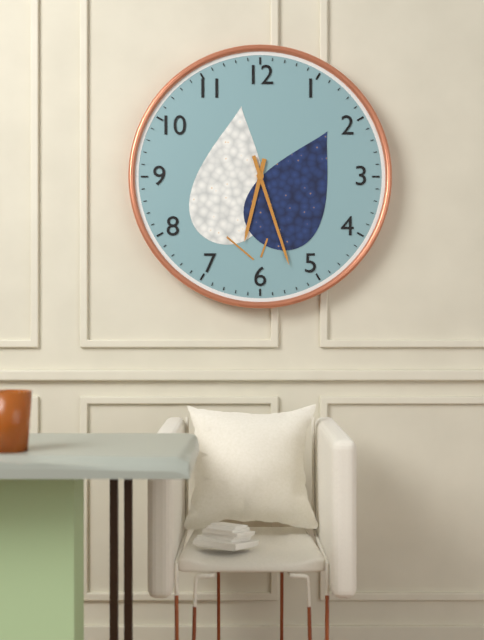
6:27
